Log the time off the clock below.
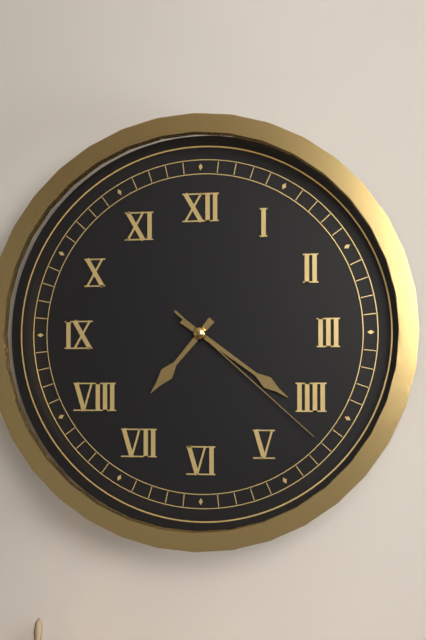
7:21:22
